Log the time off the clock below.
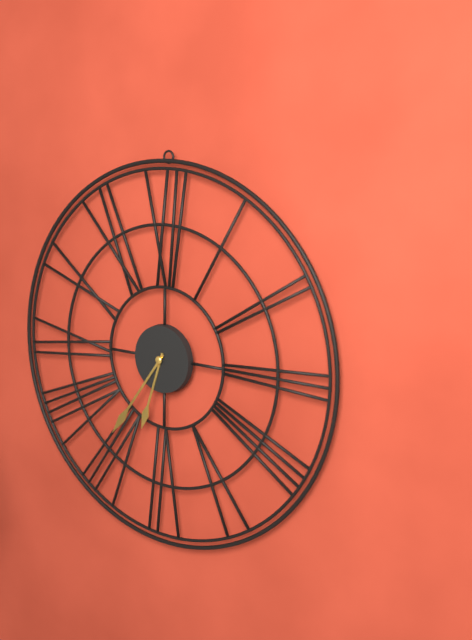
6:36
